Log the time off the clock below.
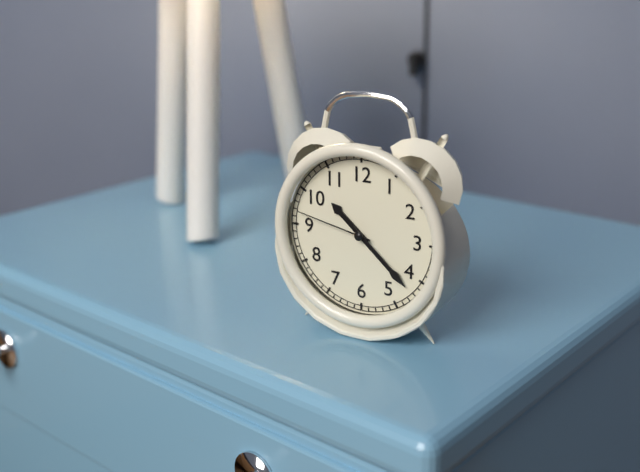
10:22:47
